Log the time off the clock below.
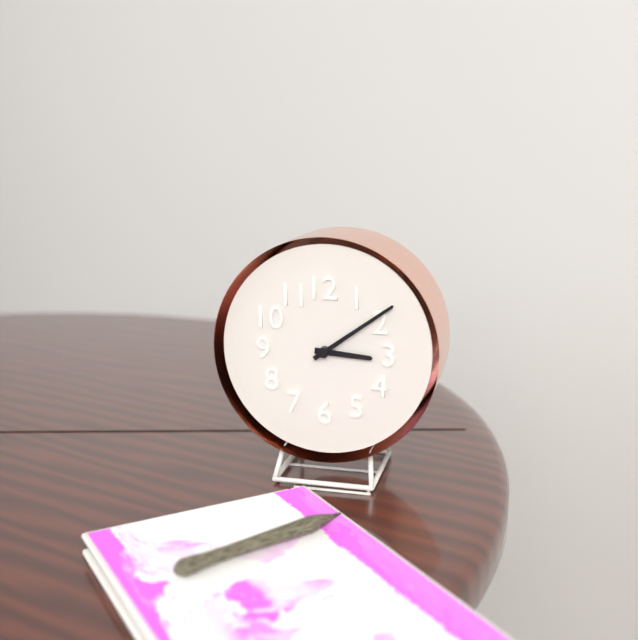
3:09
